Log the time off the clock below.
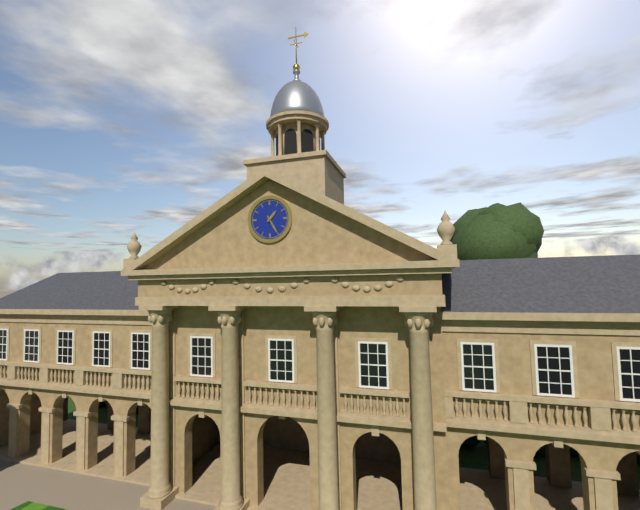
1:25
